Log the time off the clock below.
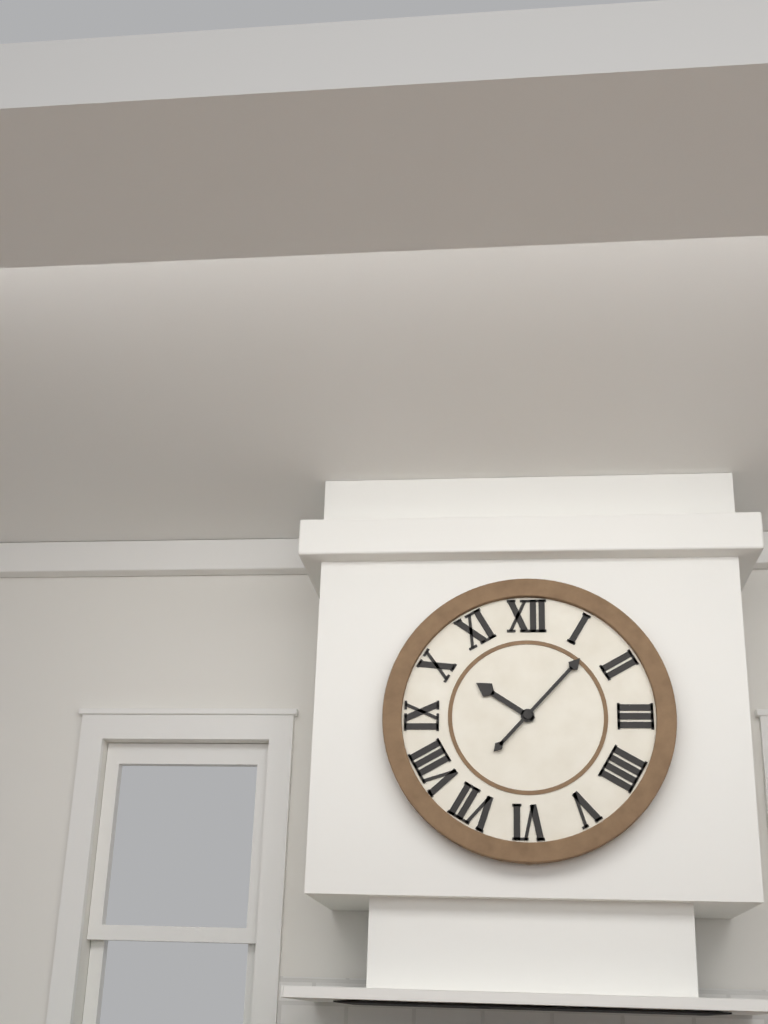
10:07
